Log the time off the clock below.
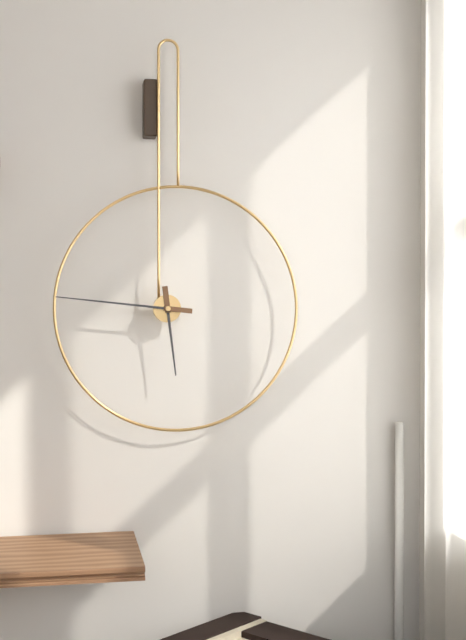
5:46
